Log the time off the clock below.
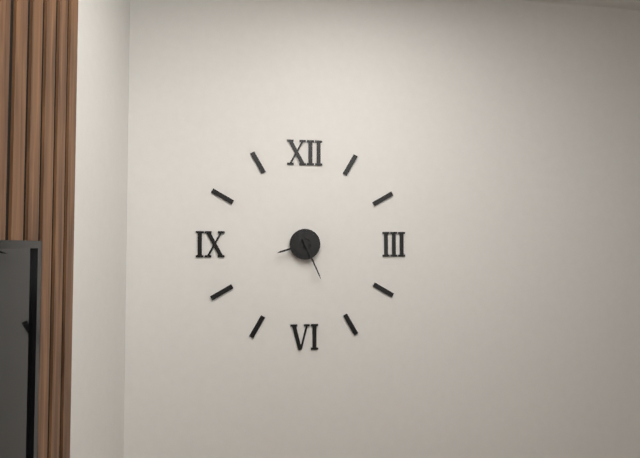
8:26
